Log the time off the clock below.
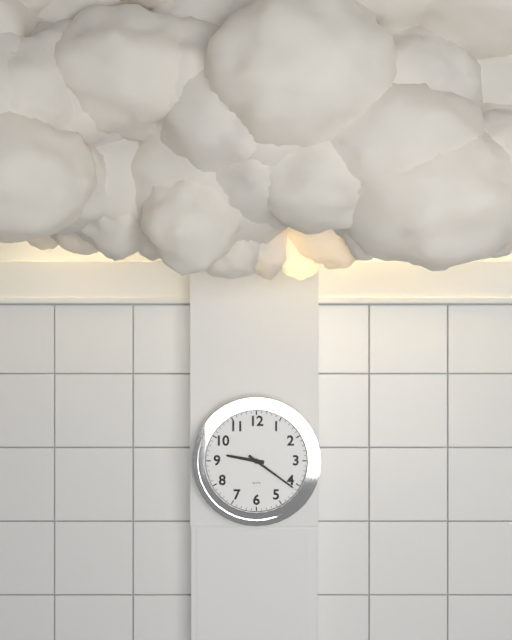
9:21
